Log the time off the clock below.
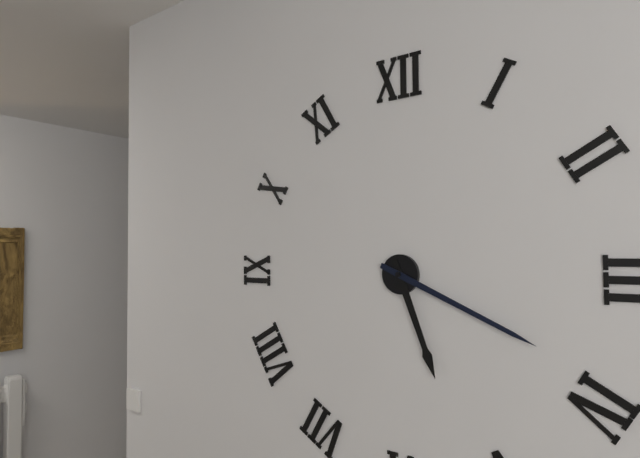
5:19
